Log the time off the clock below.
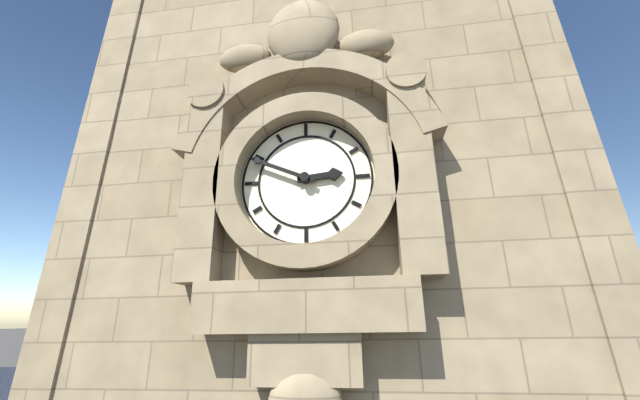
2:49
